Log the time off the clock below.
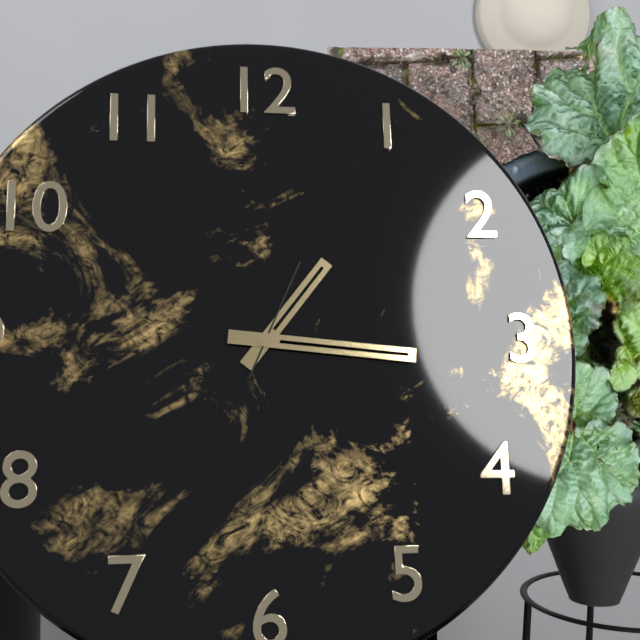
1:16:04
